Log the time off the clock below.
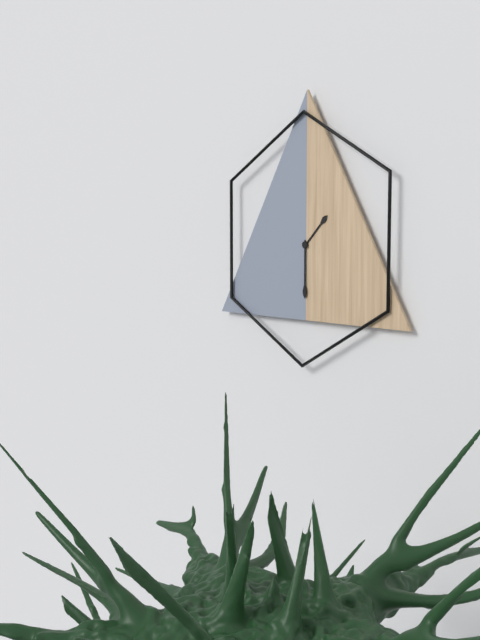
1:30
